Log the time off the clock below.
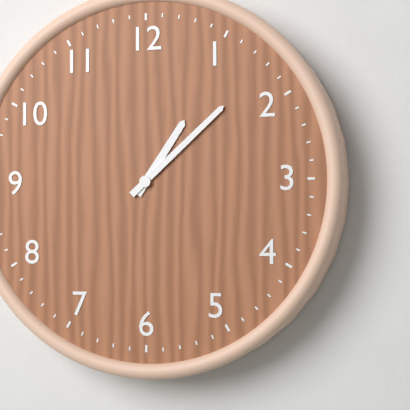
1:08
